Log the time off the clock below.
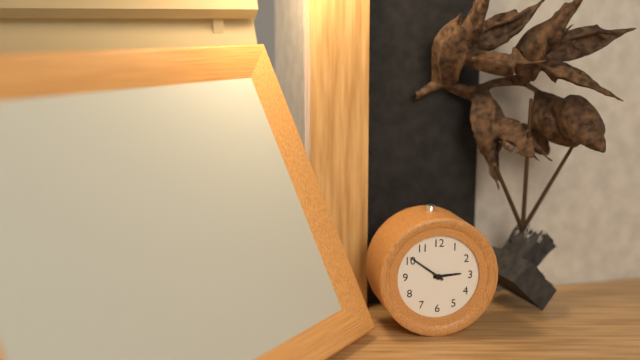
2:51
